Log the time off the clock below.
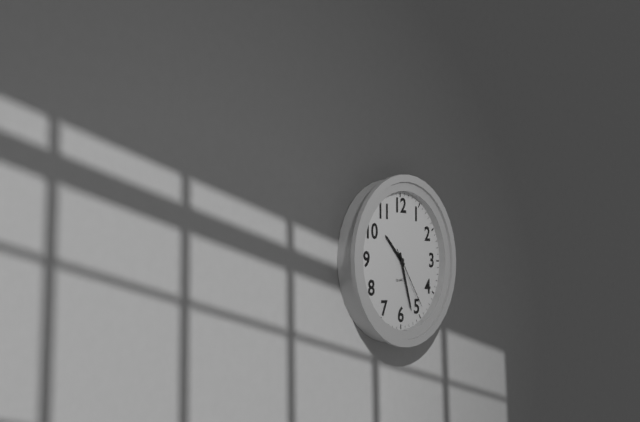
10:27:24
